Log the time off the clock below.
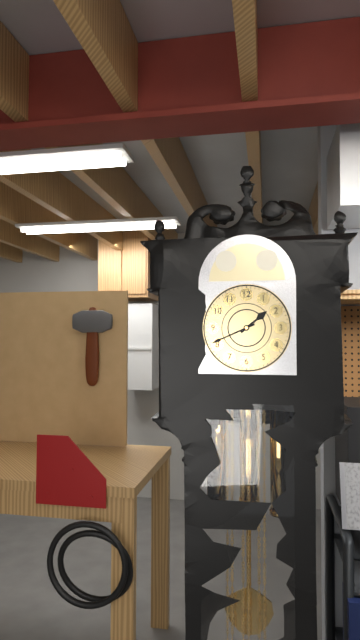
1:41
